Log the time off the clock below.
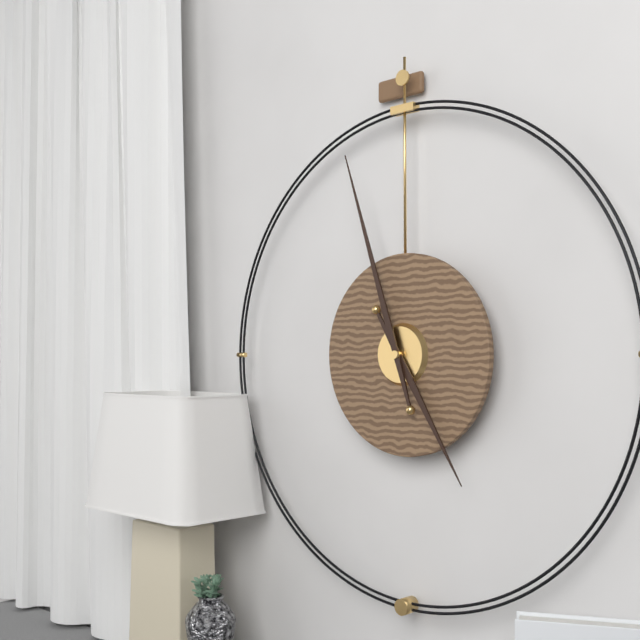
4:57
